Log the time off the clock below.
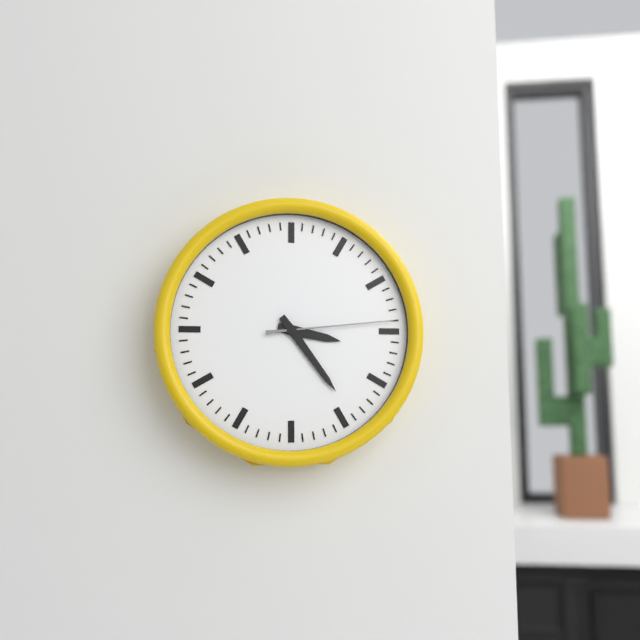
3:24:14
